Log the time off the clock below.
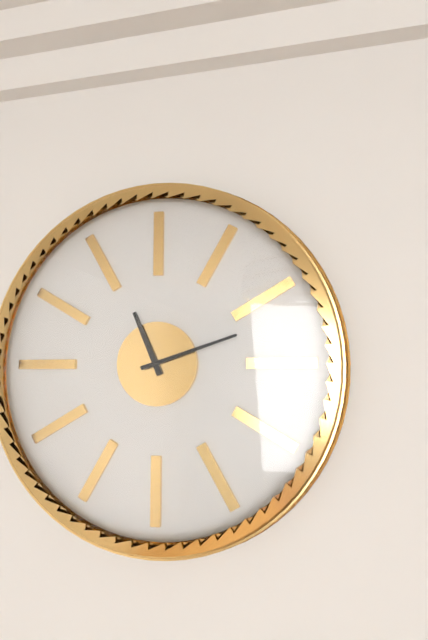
11:12
